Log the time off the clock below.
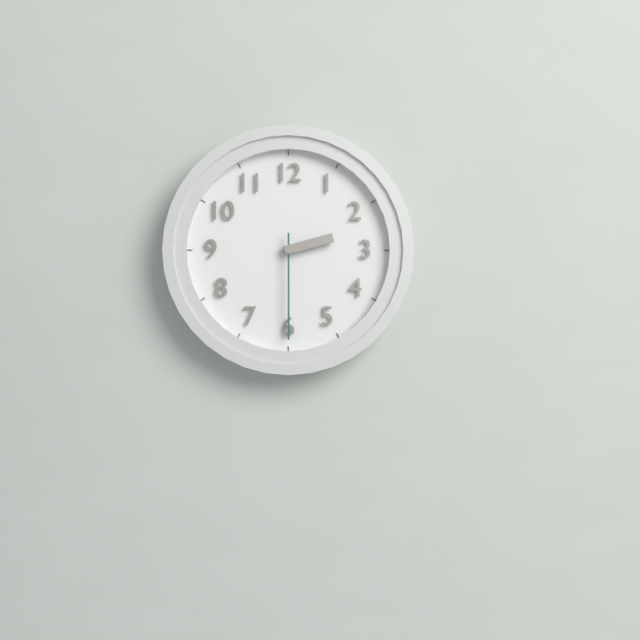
2:30
